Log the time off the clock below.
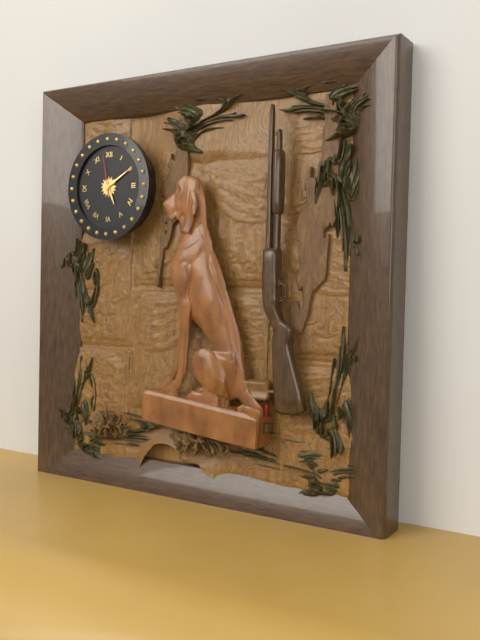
5:10
